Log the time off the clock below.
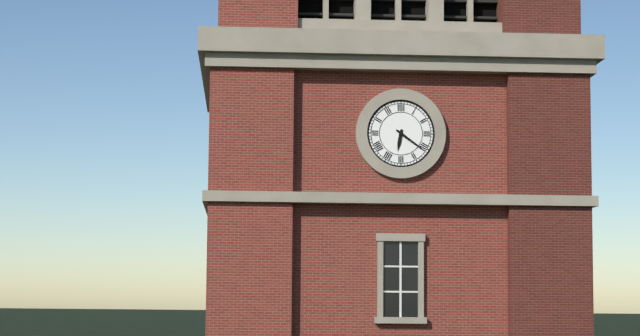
6:21
